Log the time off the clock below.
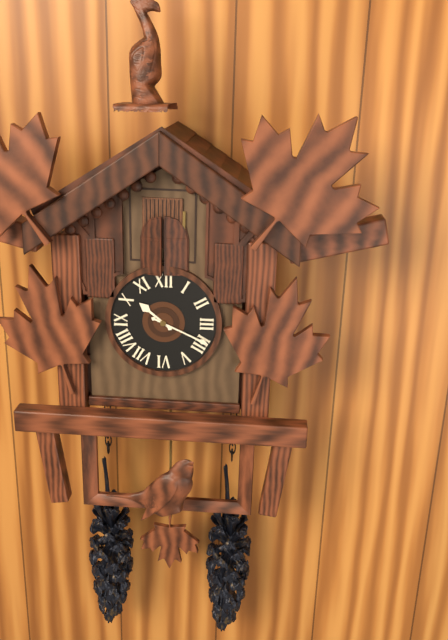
10:19
